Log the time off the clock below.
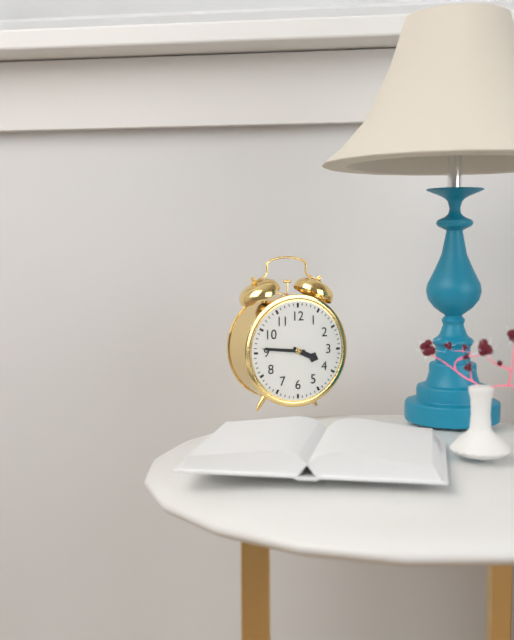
3:46
